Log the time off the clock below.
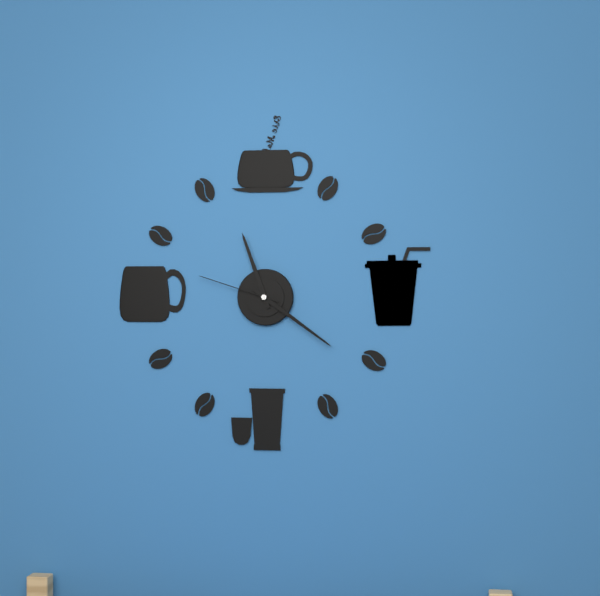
11:21:48
